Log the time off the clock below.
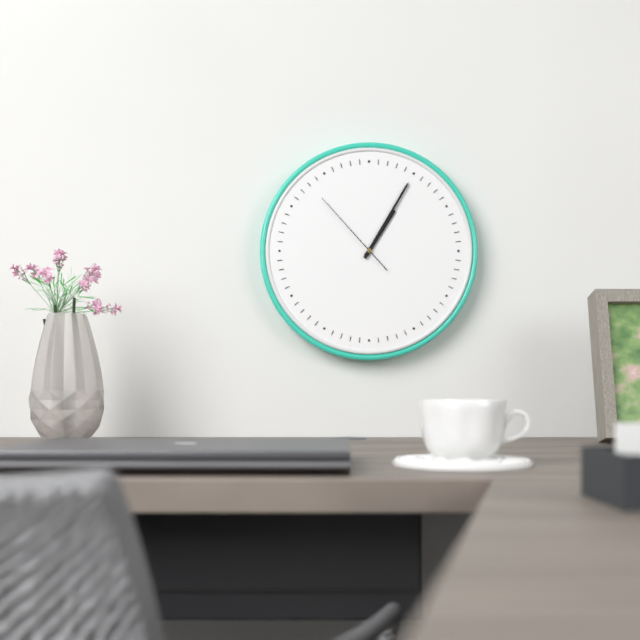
1:05:53
